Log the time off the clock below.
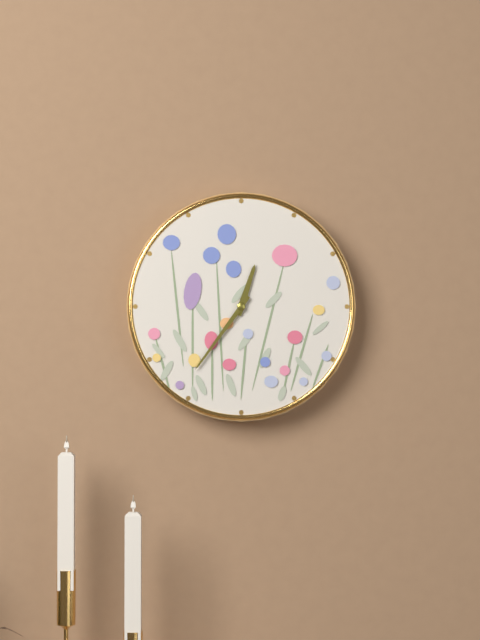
12:36
